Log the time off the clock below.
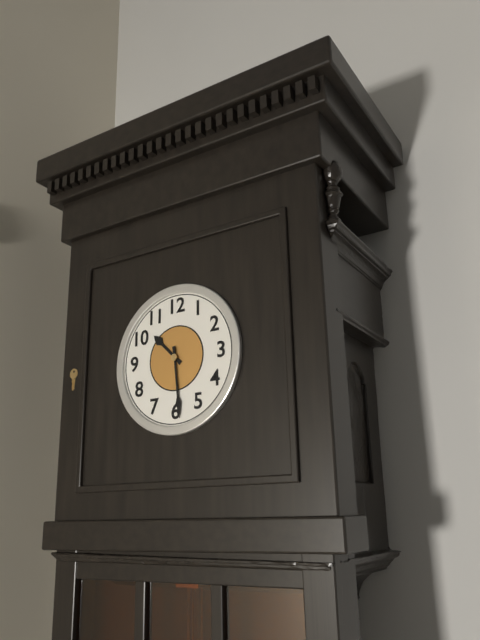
10:29
